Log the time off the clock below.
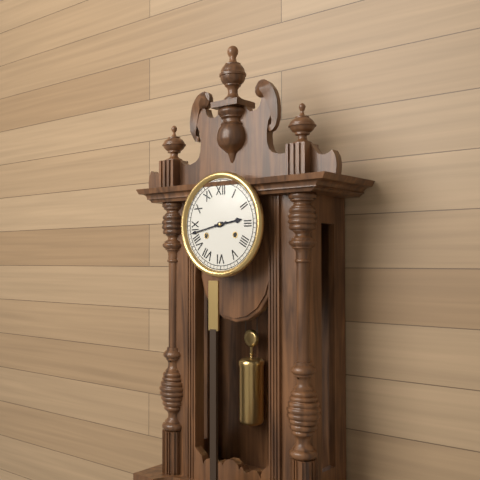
2:43
